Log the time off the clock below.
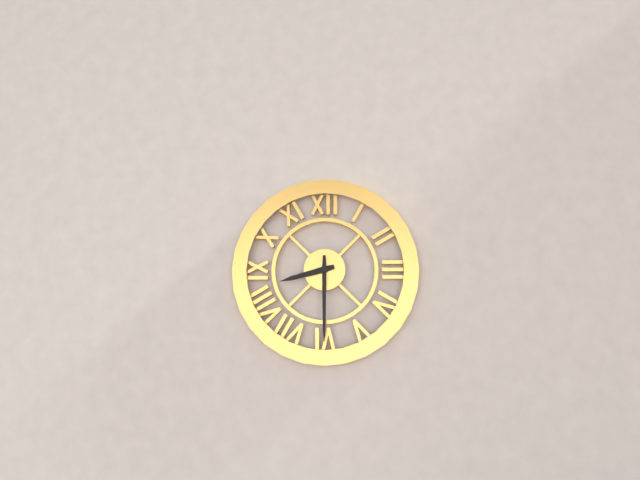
8:30
